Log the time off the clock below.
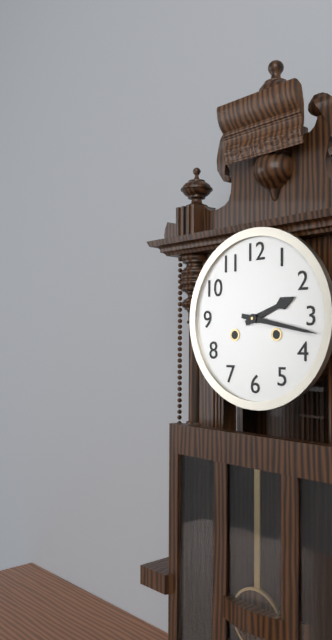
2:17
